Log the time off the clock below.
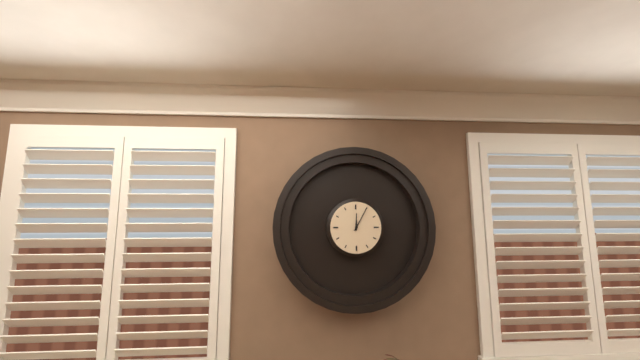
12:05
